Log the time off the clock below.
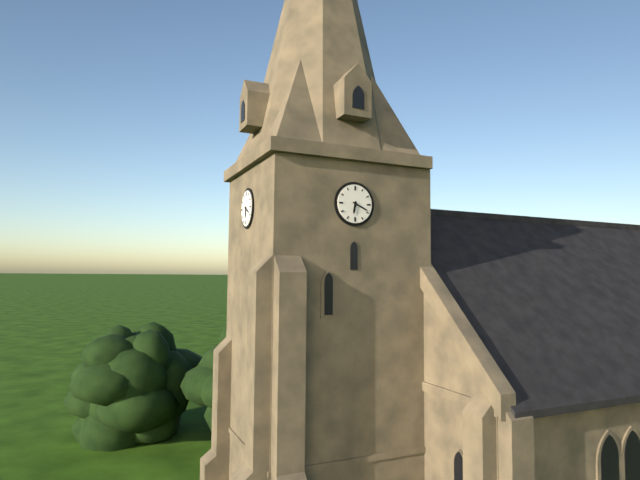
6:19
